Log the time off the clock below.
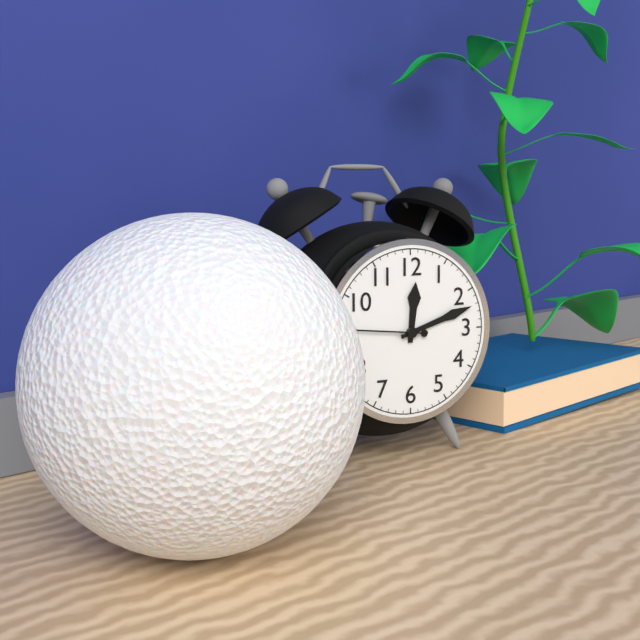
12:12:46
